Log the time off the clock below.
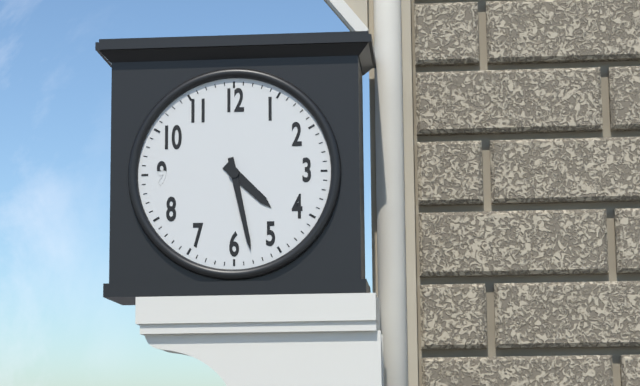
4:28
